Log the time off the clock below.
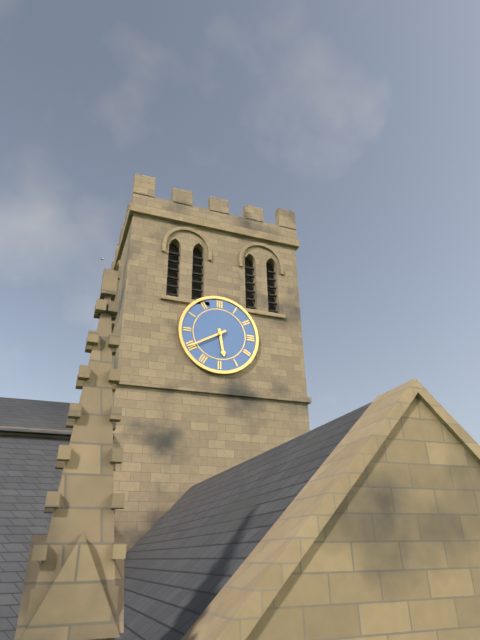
5:40
